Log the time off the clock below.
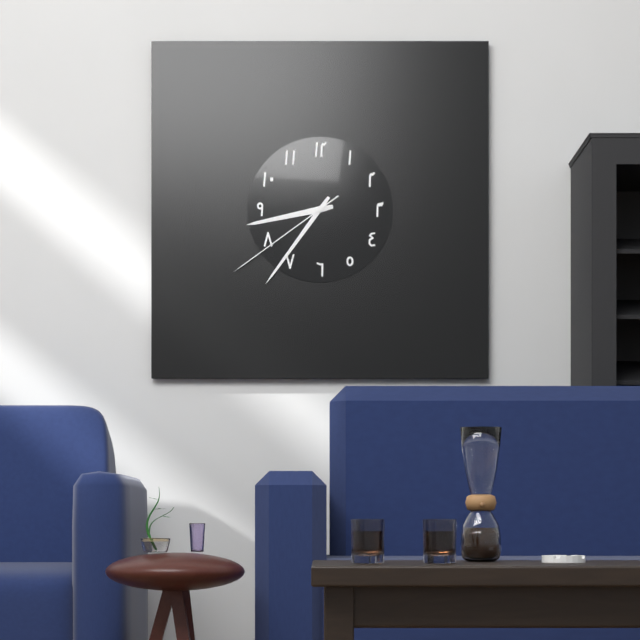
8:36:39
